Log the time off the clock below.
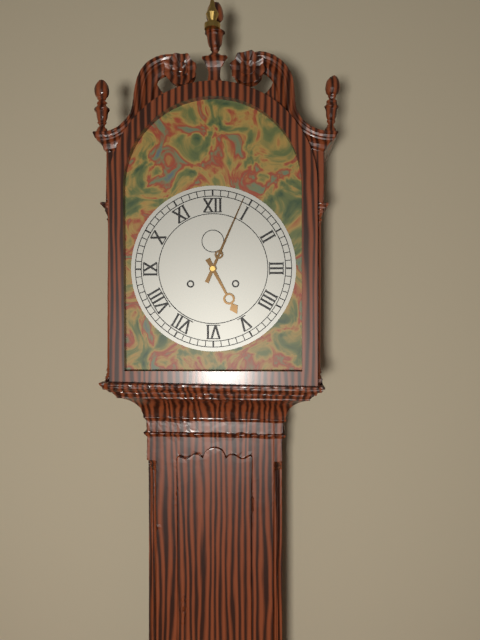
5:04
